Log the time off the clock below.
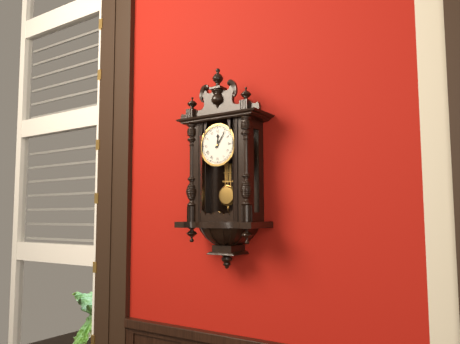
12:06
